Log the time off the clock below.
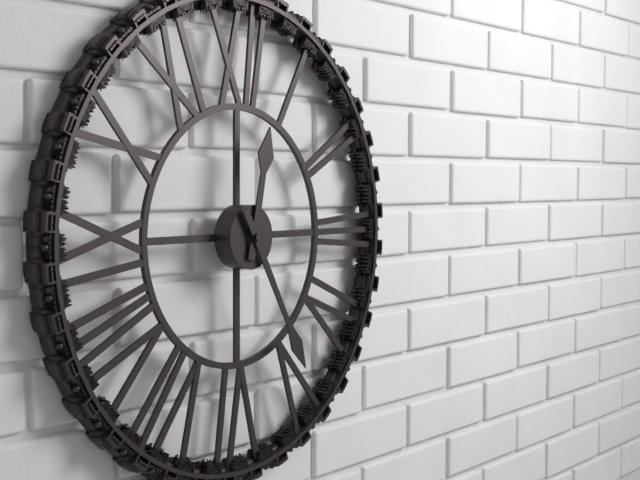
12:25
